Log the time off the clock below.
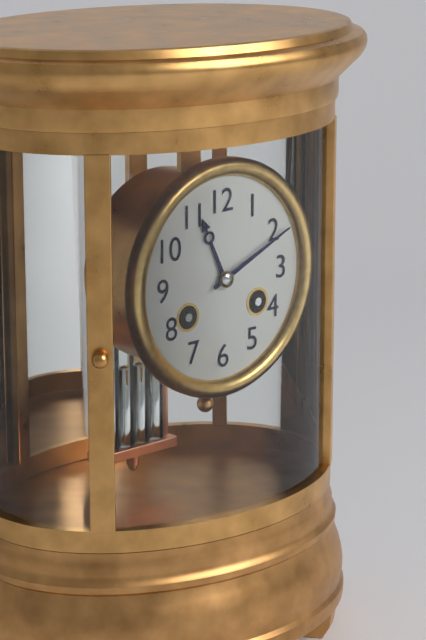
11:11
